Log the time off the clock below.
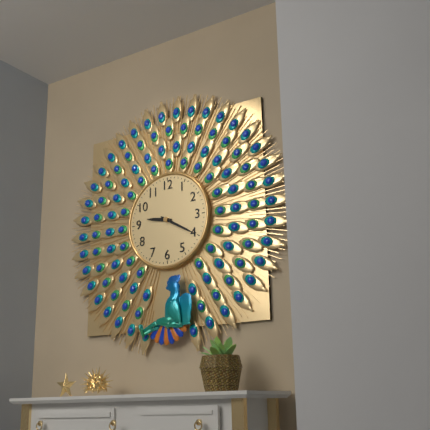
9:20
